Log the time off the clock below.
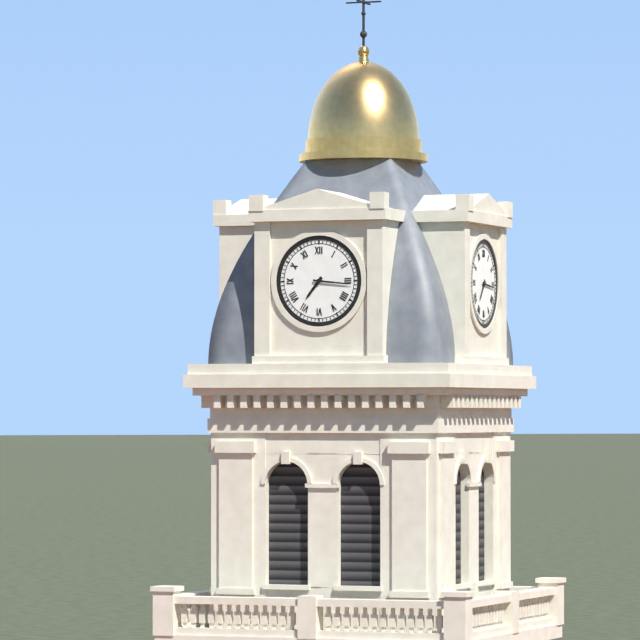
7:16
